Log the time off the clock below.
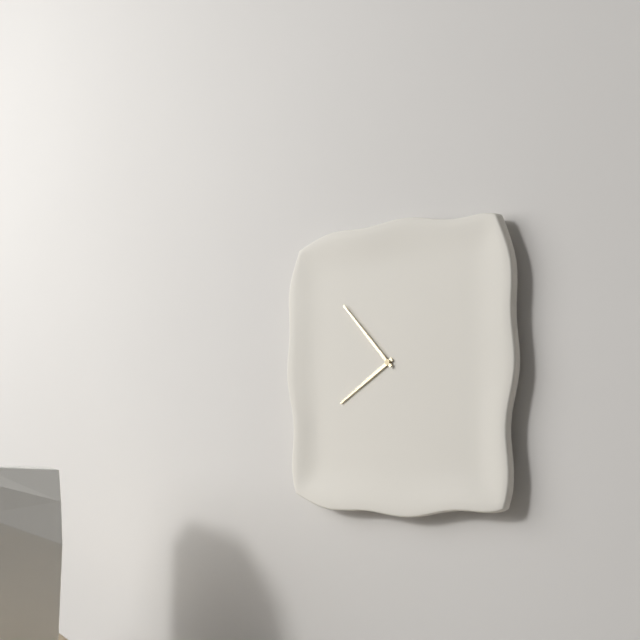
7:53
